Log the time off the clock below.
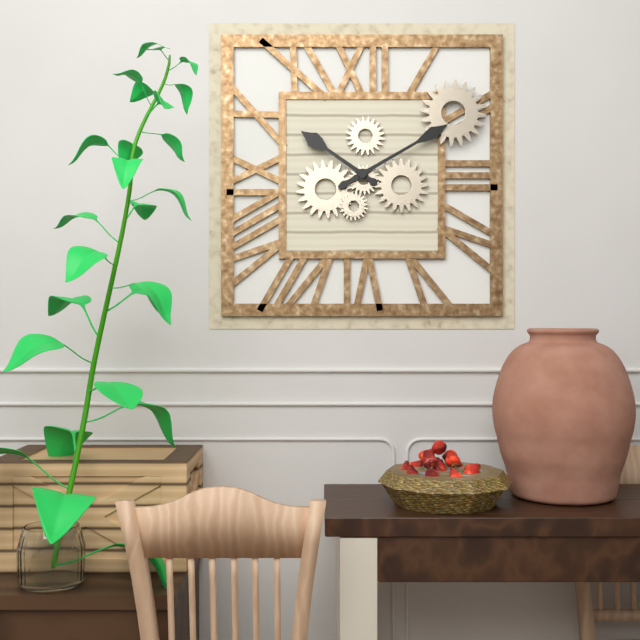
10:10
